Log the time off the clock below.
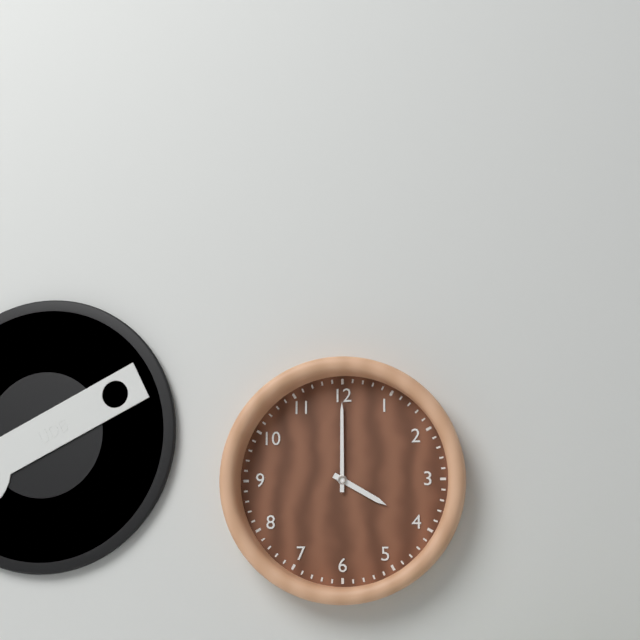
4:00
